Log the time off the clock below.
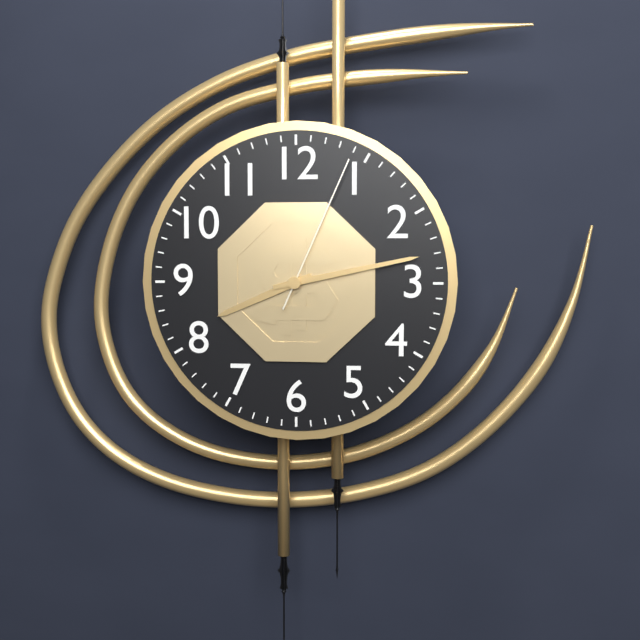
8:13:04
